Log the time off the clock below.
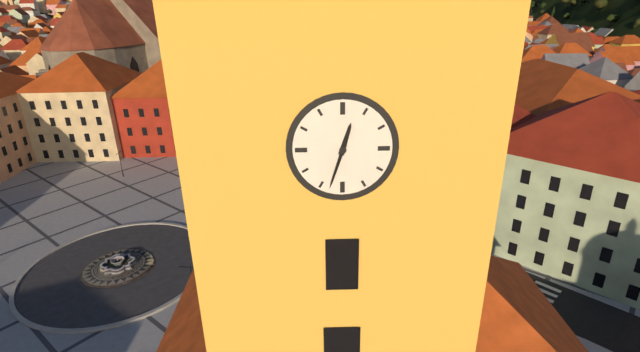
12:33
